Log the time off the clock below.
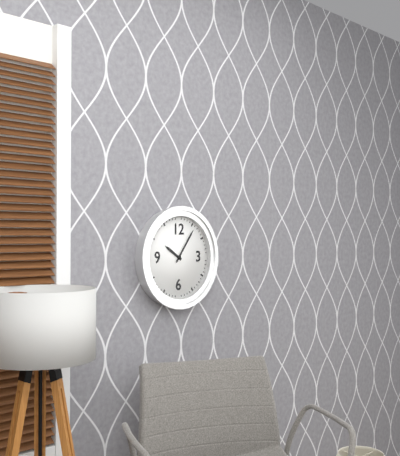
10:06
